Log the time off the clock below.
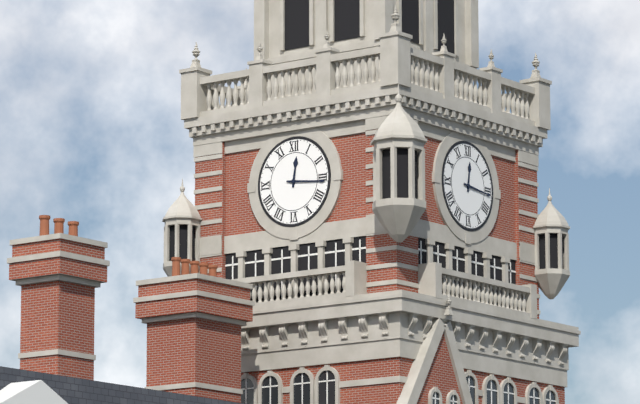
12:16
